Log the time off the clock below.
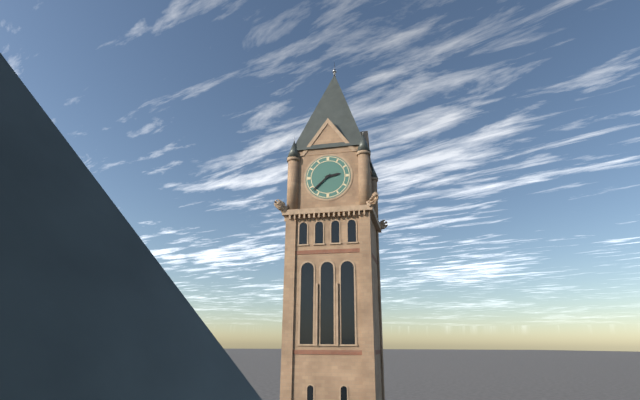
2:38
